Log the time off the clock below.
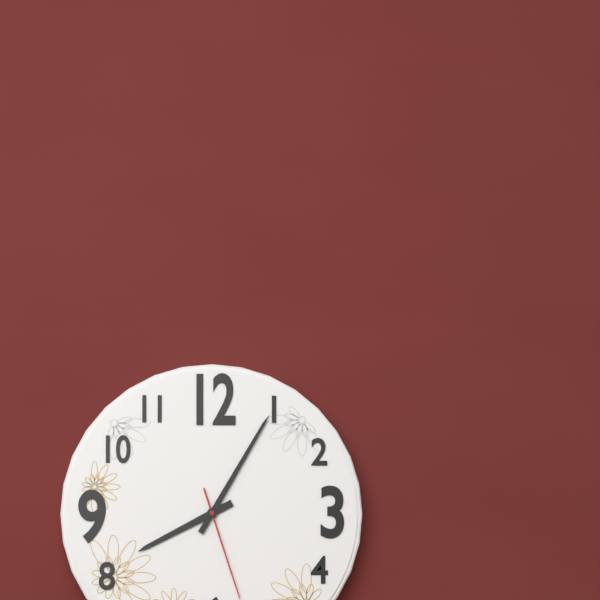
8:05
